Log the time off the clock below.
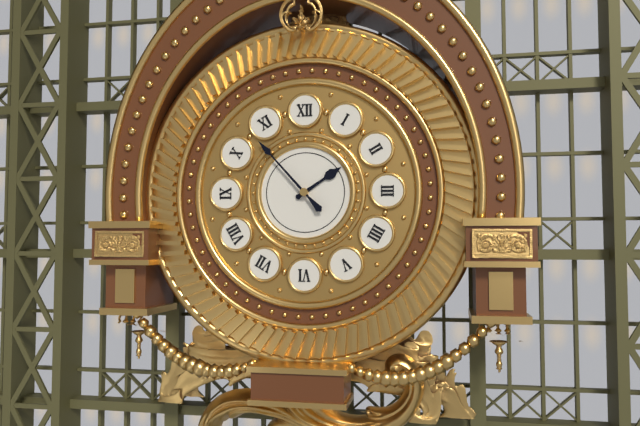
1:53
